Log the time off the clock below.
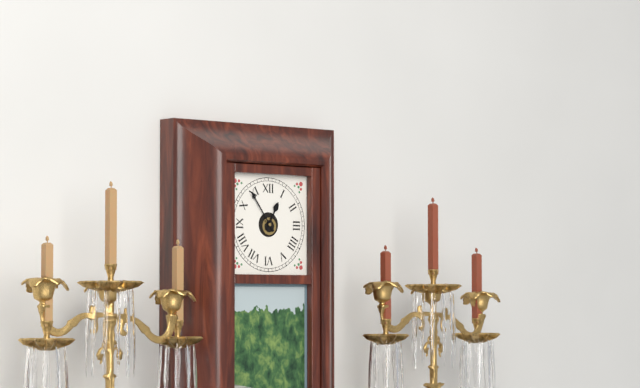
12:54
